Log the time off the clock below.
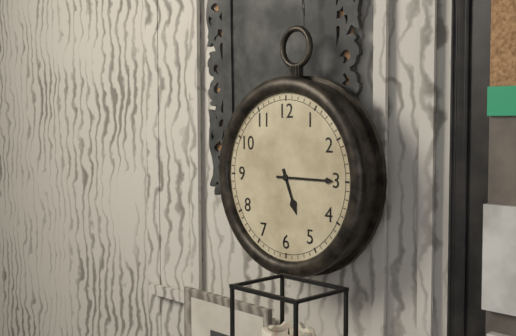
5:15
